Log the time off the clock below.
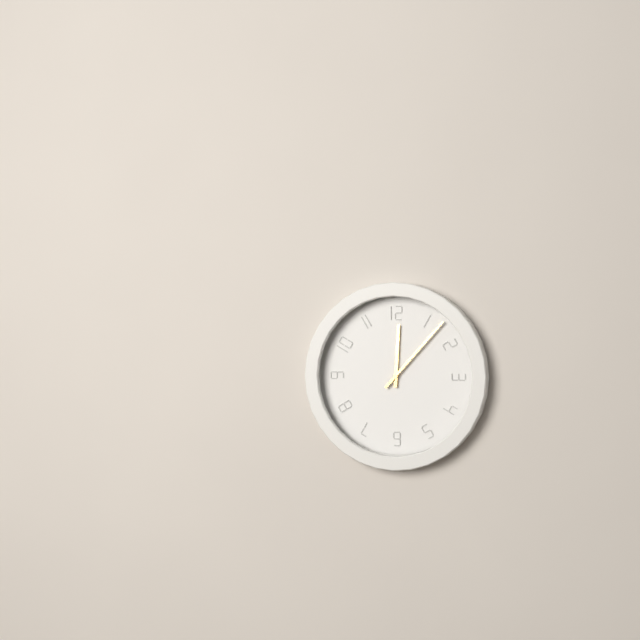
12:07
